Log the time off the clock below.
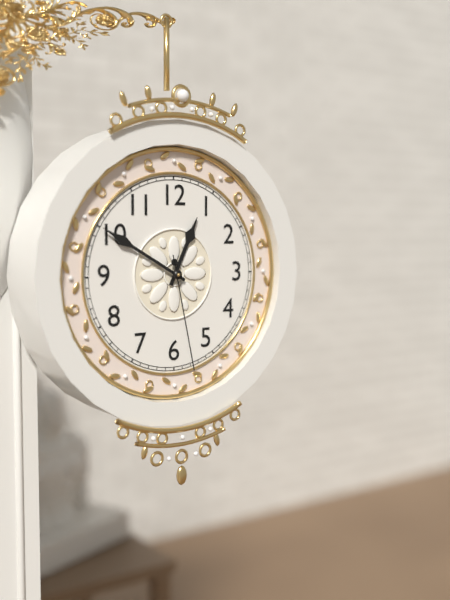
12:50:28
